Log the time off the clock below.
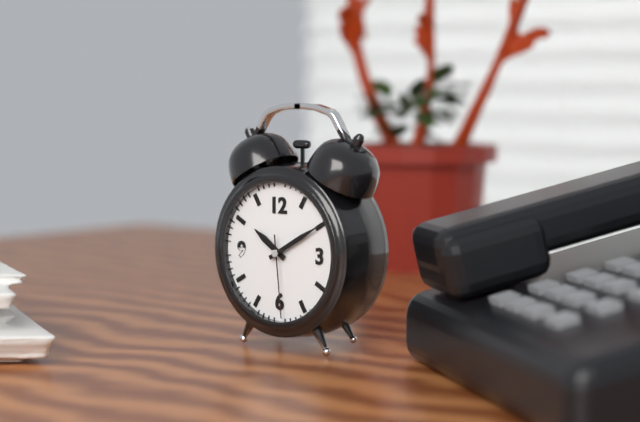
10:10:29
